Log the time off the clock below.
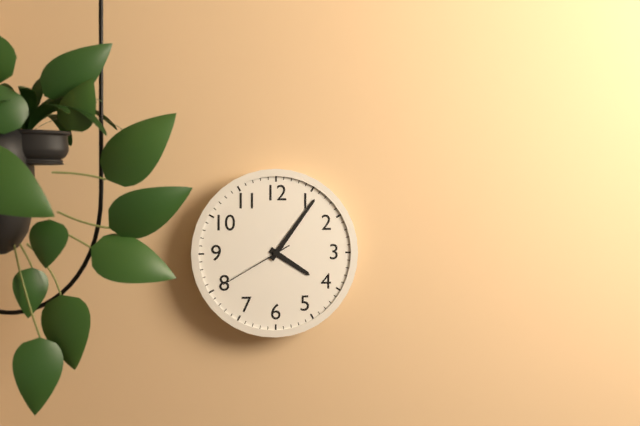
4:06:40
